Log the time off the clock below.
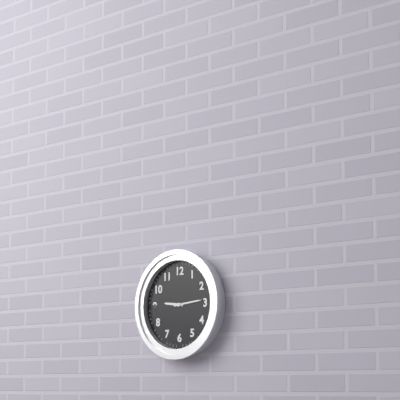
9:14
